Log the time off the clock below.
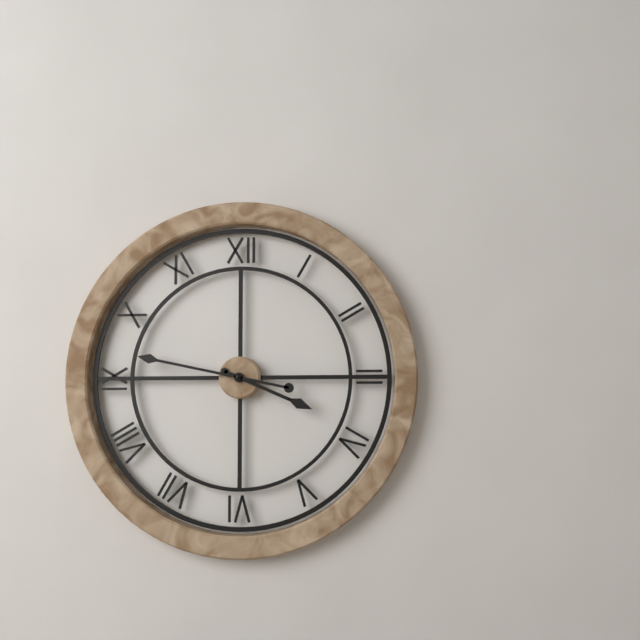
3:47
